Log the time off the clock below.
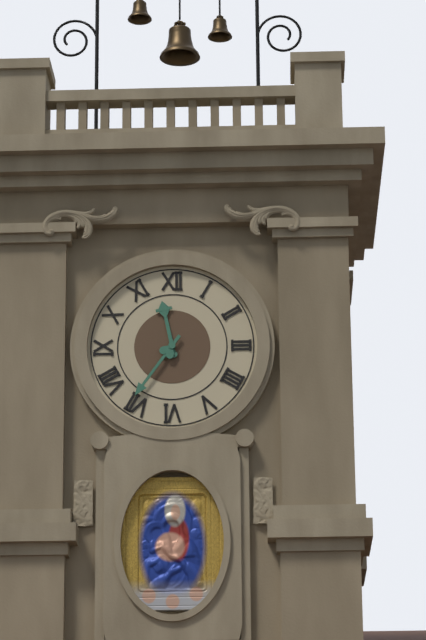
11:36
